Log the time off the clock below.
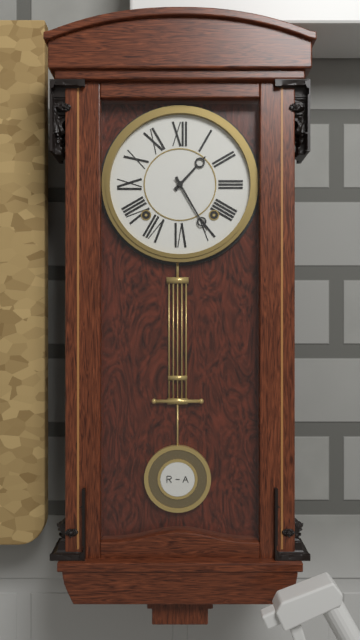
1:25
